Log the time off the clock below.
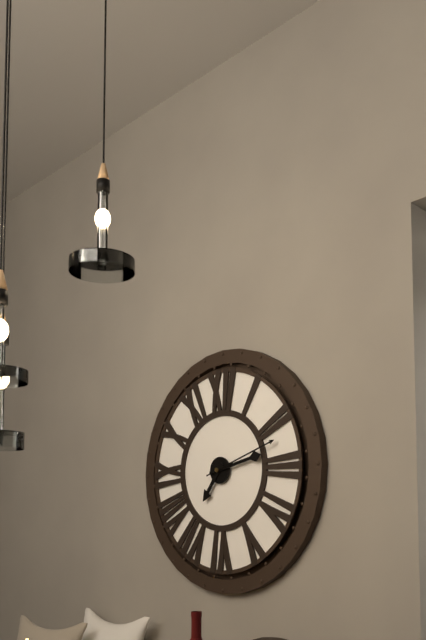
7:13:12
